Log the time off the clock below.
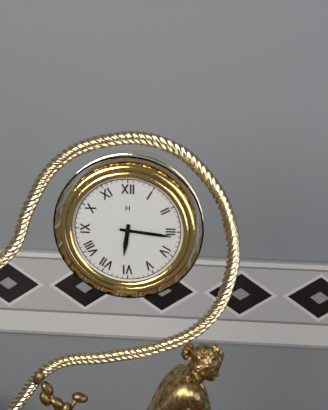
6:16
